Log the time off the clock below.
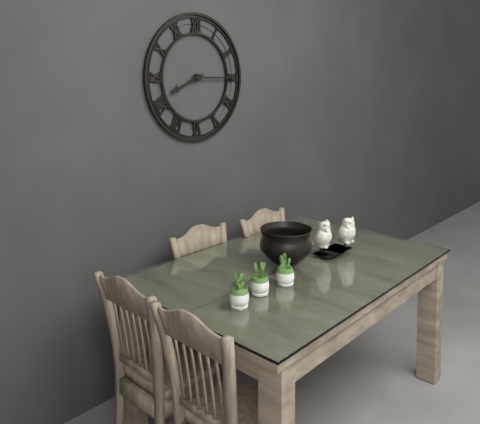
8:15
